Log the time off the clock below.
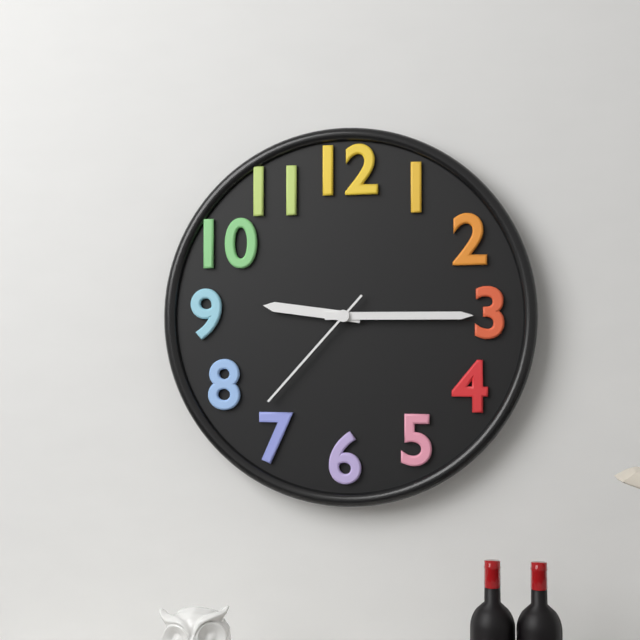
9:15:37
